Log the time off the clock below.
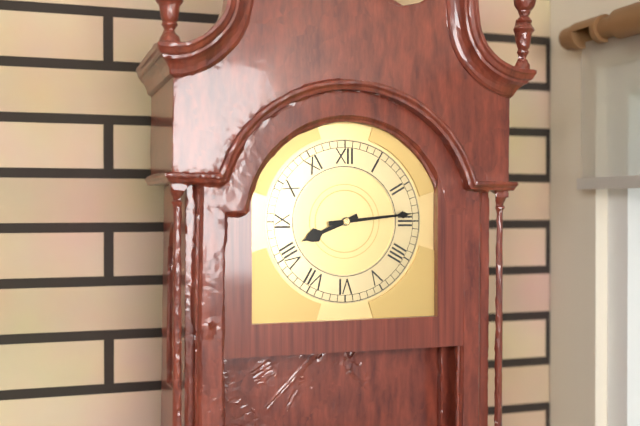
8:14
